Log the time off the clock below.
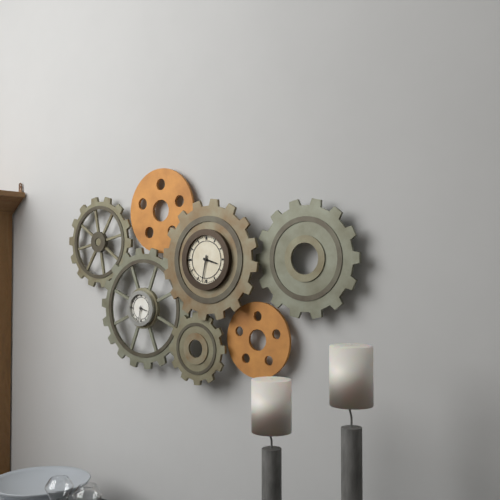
3:32
